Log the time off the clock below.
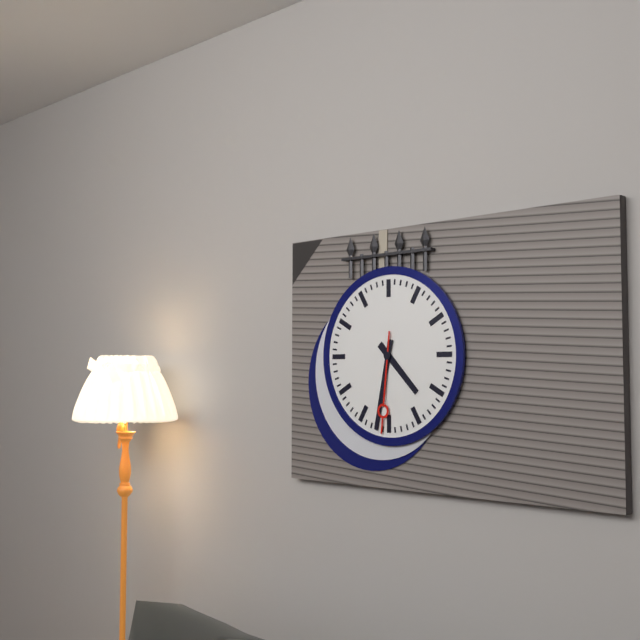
4:32:31
